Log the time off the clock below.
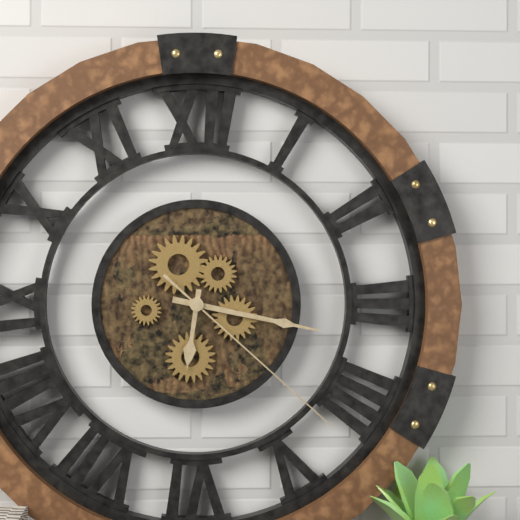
6:17:22
